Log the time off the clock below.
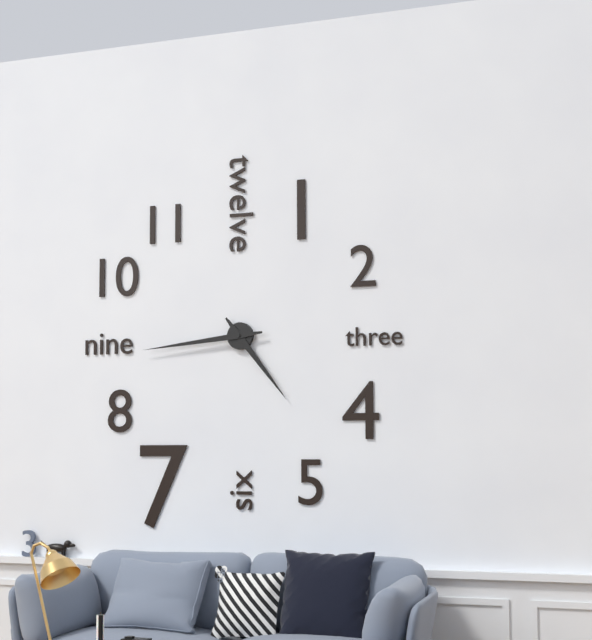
4:44
